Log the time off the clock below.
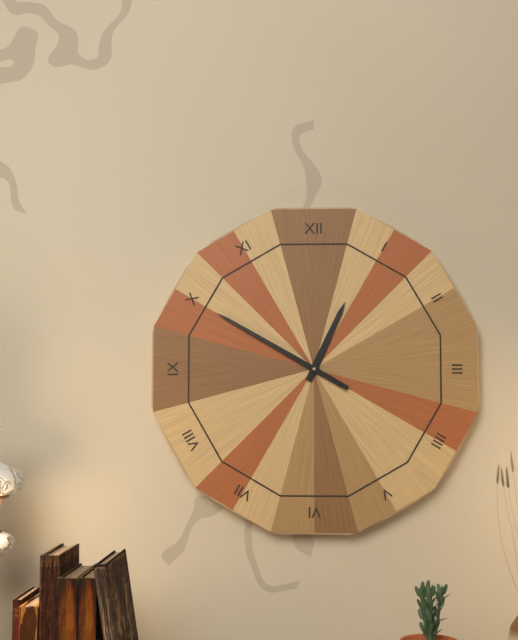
12:50
